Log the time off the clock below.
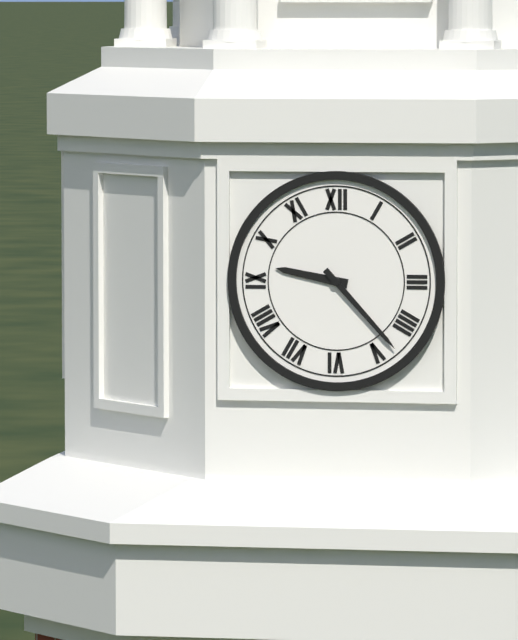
9:23
